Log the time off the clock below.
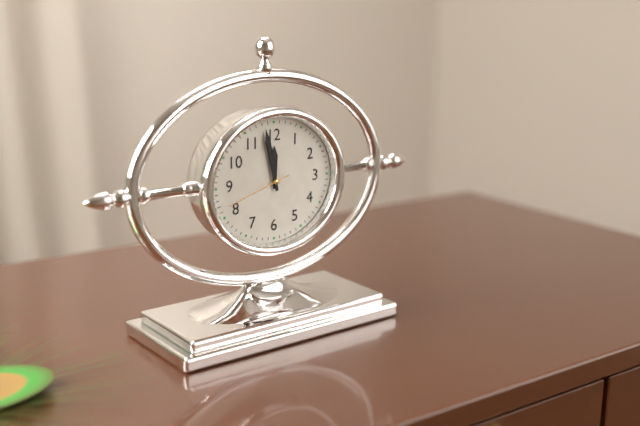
11:58:42
